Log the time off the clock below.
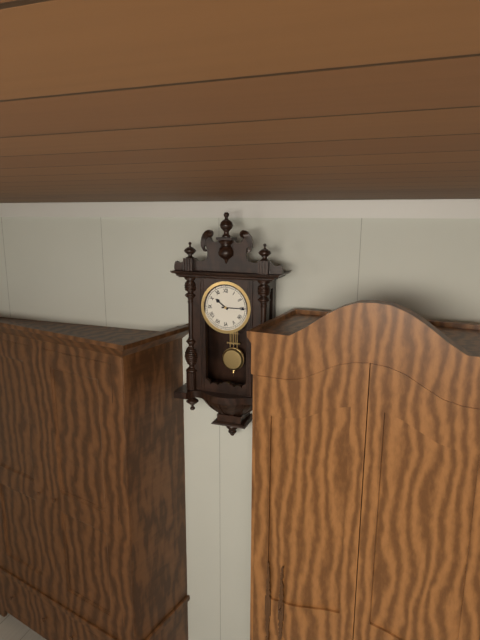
10:15
